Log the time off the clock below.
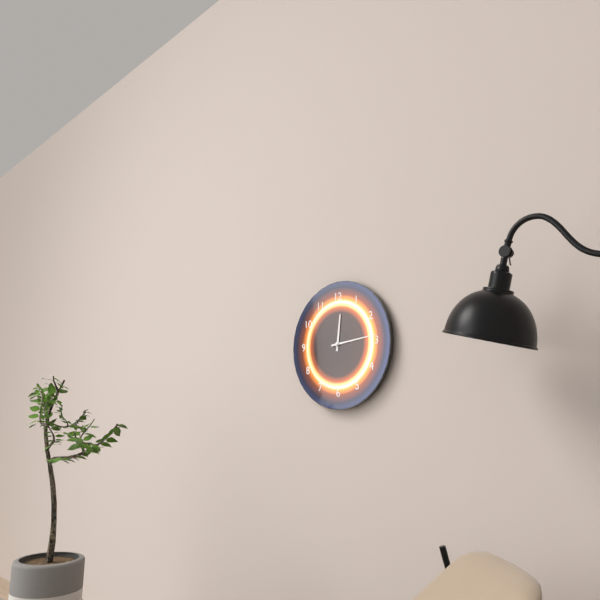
12:14
